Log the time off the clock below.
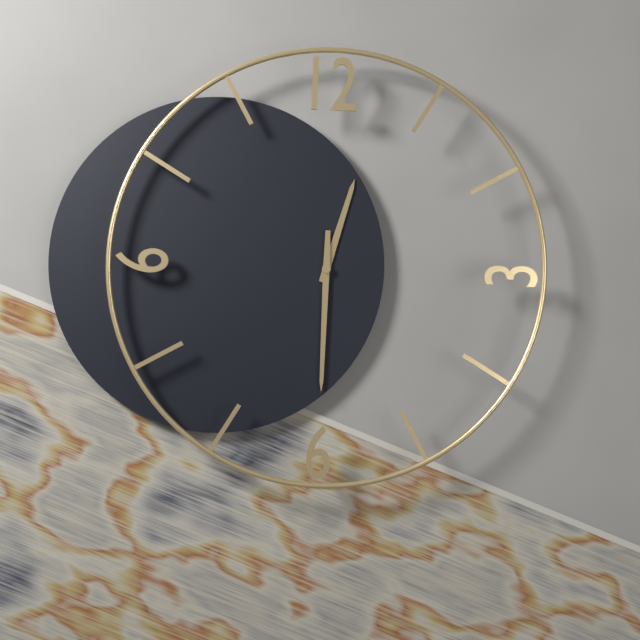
12:30
